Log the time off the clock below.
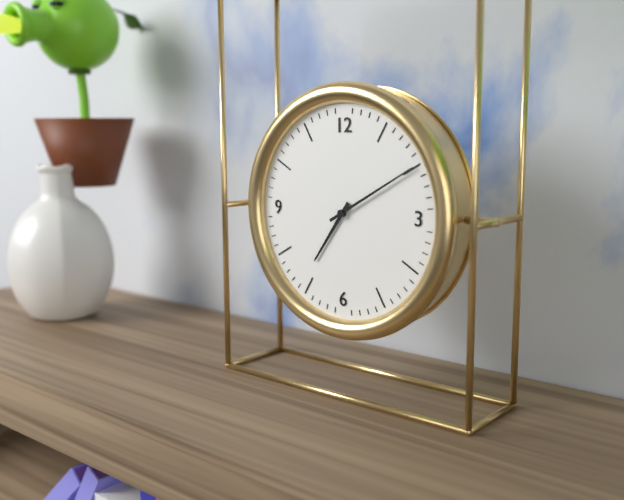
7:10
